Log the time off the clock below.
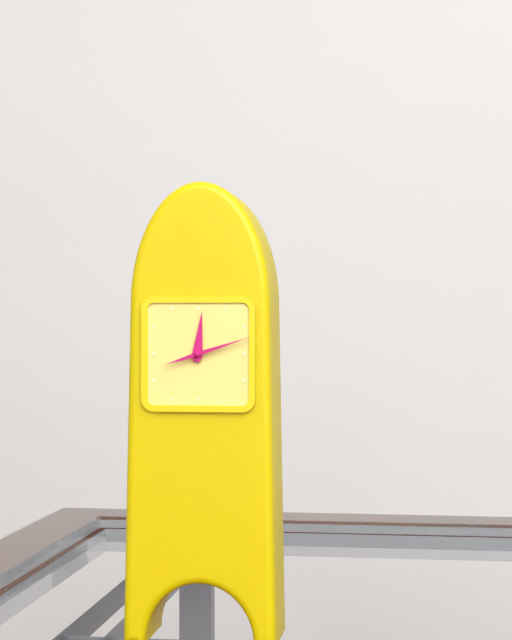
12:12
